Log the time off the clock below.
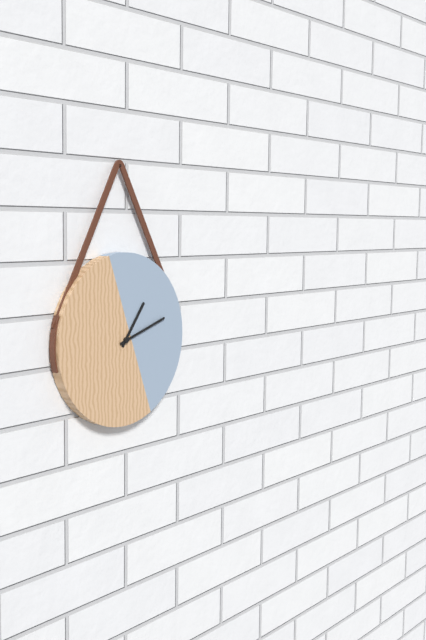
1:12
